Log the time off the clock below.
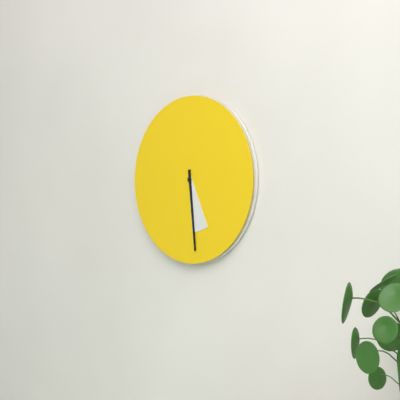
5:29
